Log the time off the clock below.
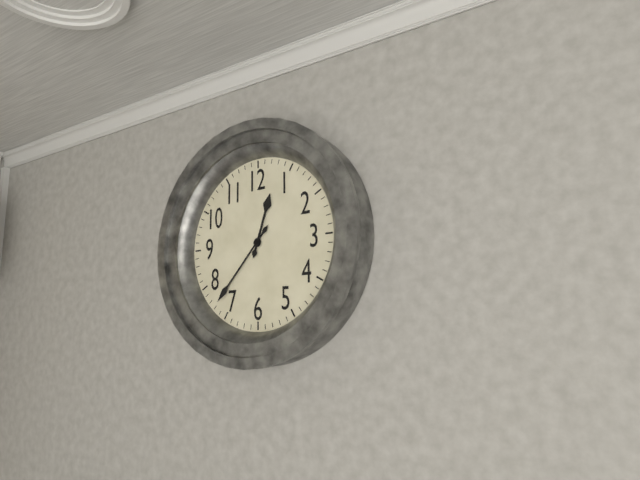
12:37
